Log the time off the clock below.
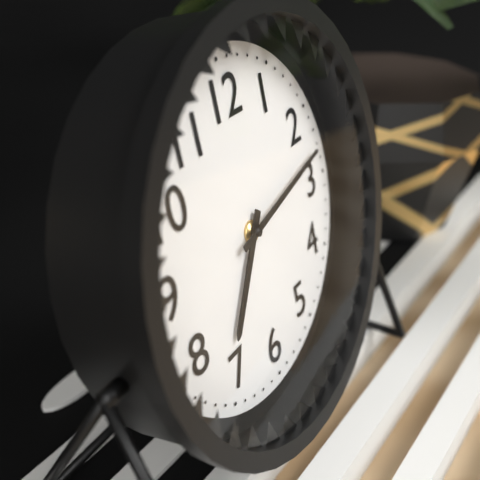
7:13
